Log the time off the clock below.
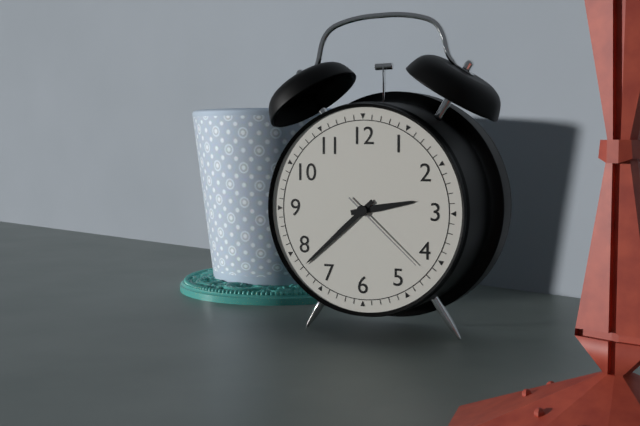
2:38:22
